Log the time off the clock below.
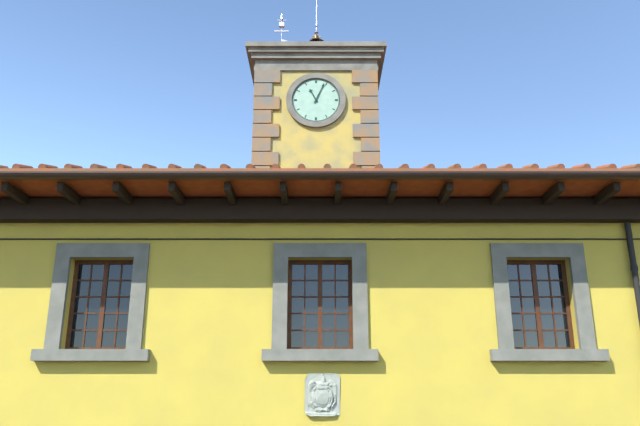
11:04
